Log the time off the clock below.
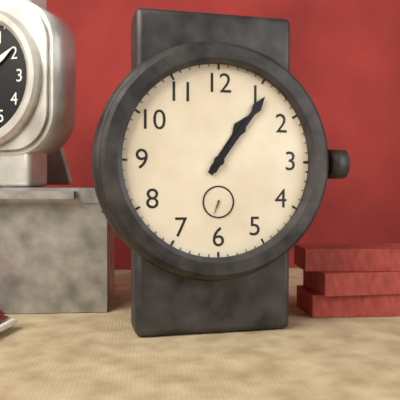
1:06
